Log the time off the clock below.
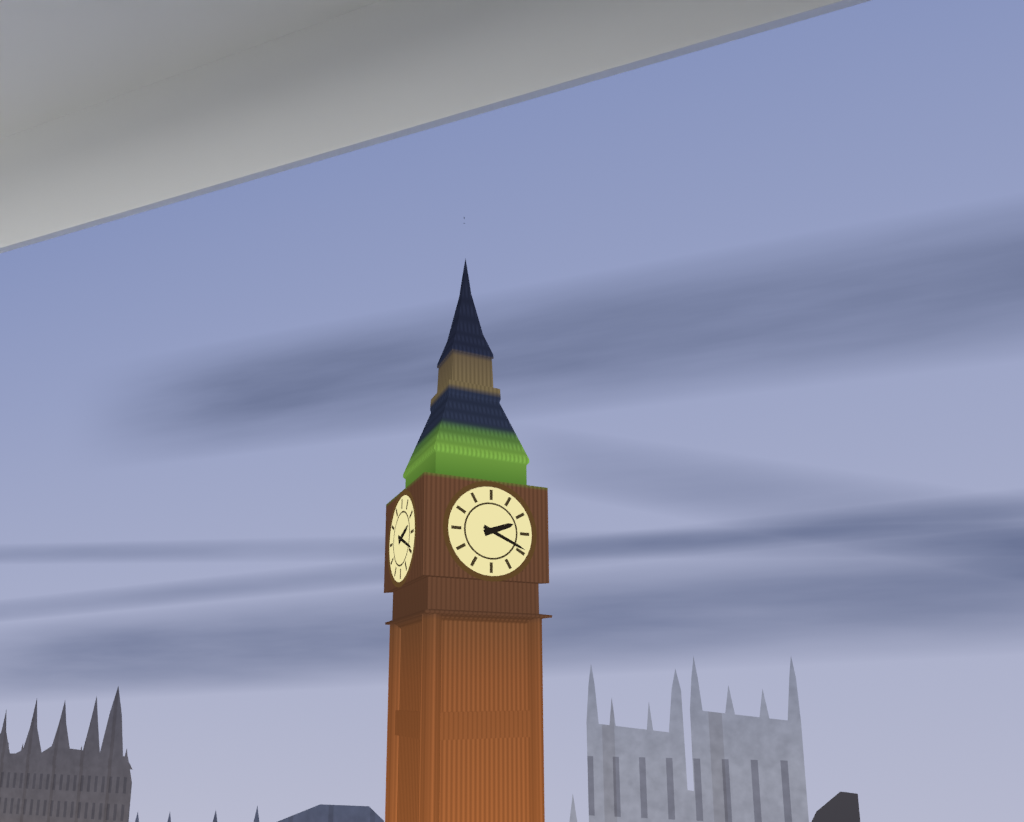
2:19
